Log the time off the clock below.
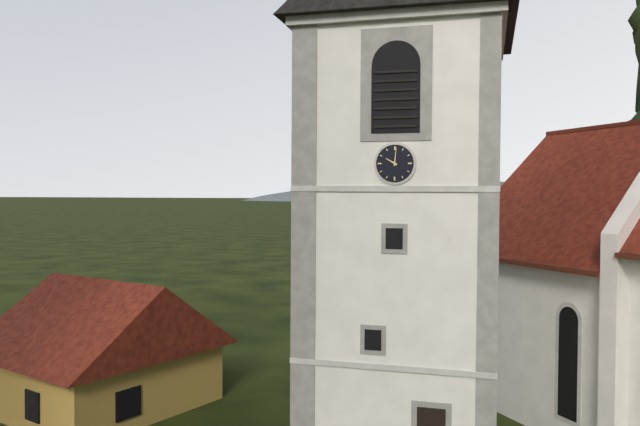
10:01
